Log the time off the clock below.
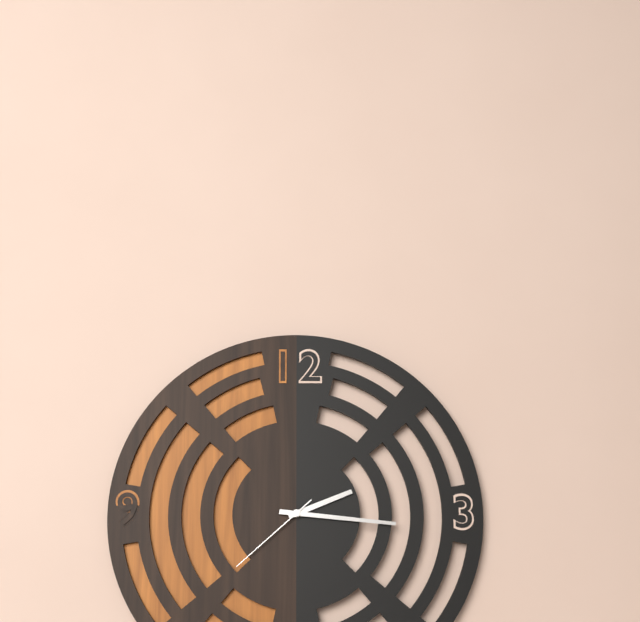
2:16:38
